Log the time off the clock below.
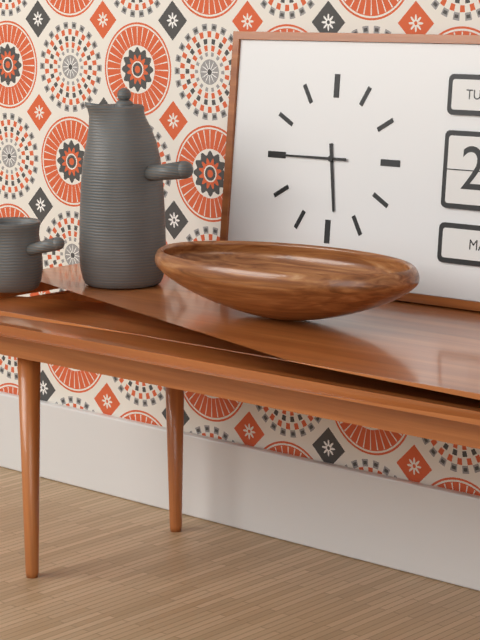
5:45
